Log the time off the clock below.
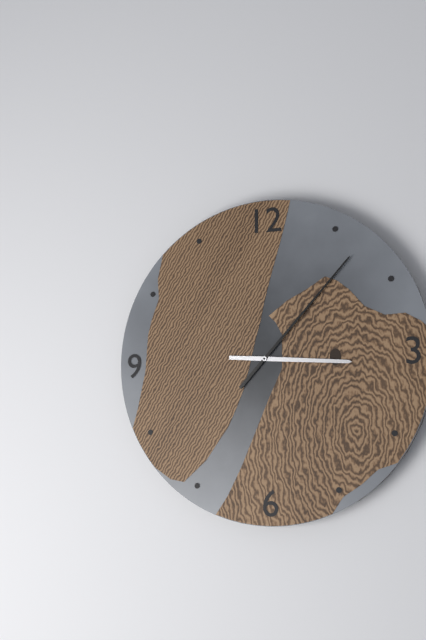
3:07
